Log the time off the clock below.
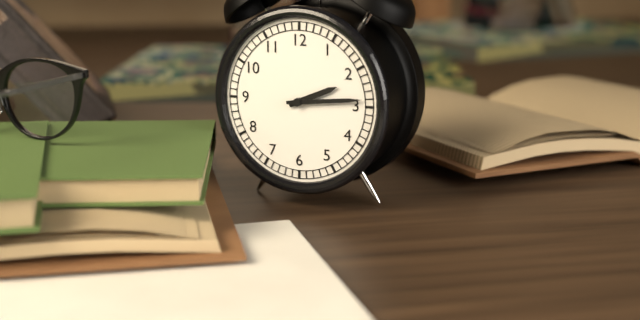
2:14
